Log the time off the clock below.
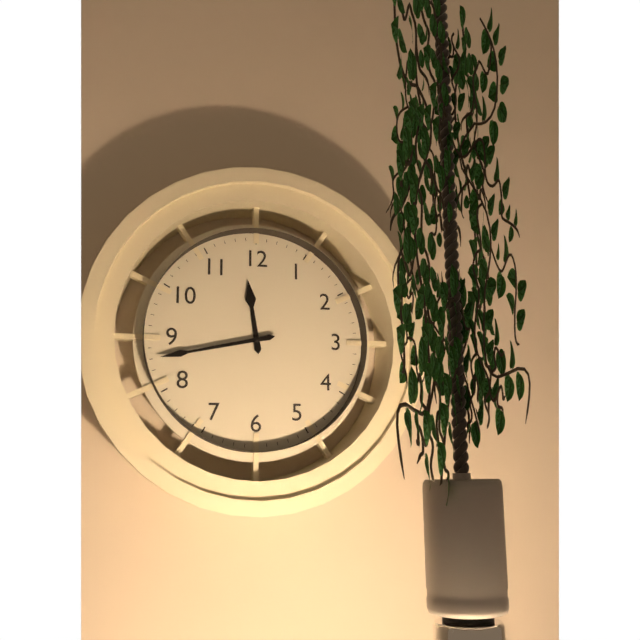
11:43
